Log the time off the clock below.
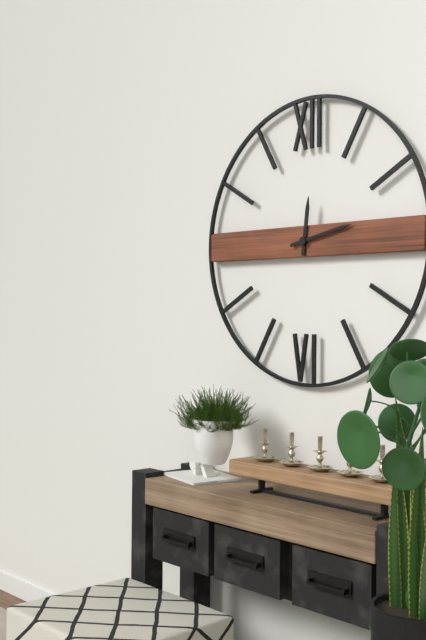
12:13
